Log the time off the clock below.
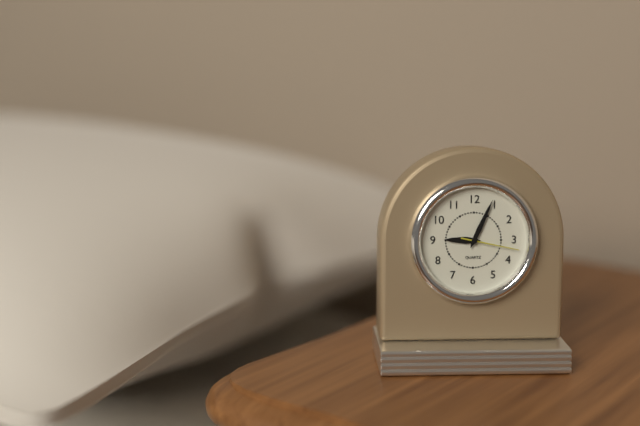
9:04:17
